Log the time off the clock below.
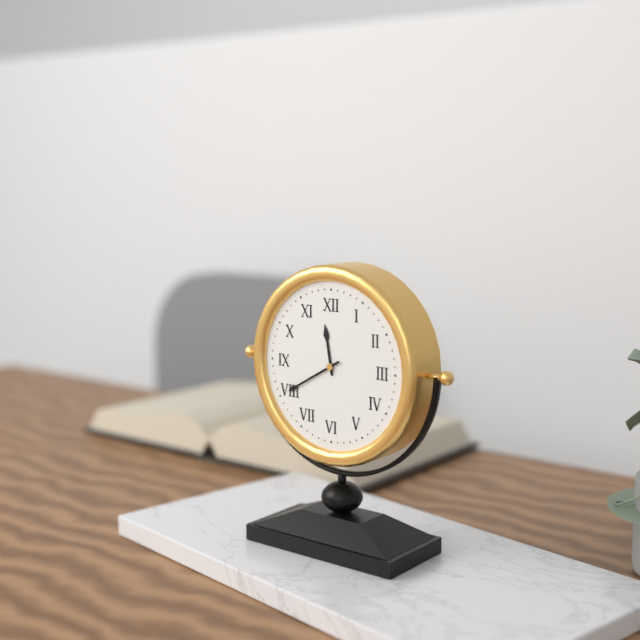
11:40
